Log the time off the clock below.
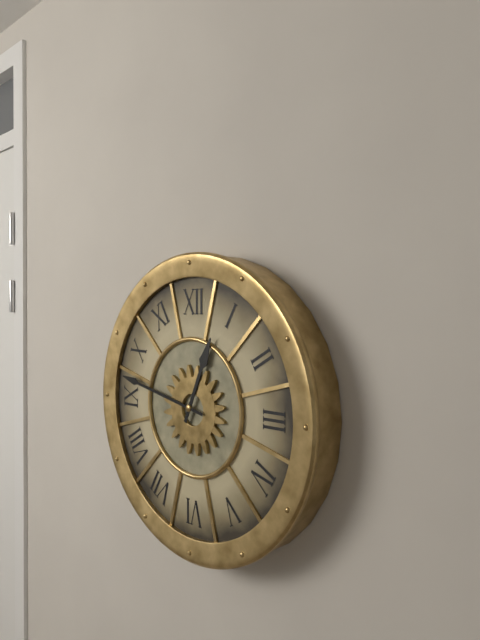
12:47
